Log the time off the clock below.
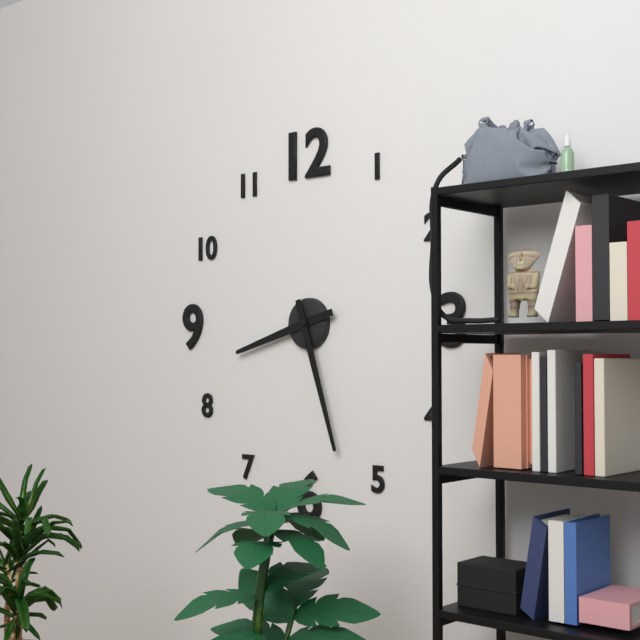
8:27
